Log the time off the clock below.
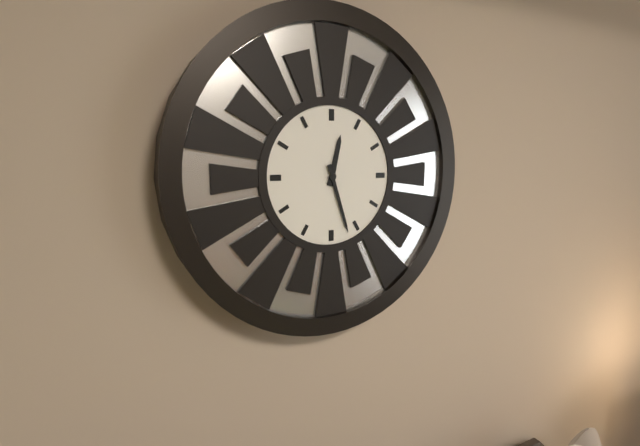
12:27
